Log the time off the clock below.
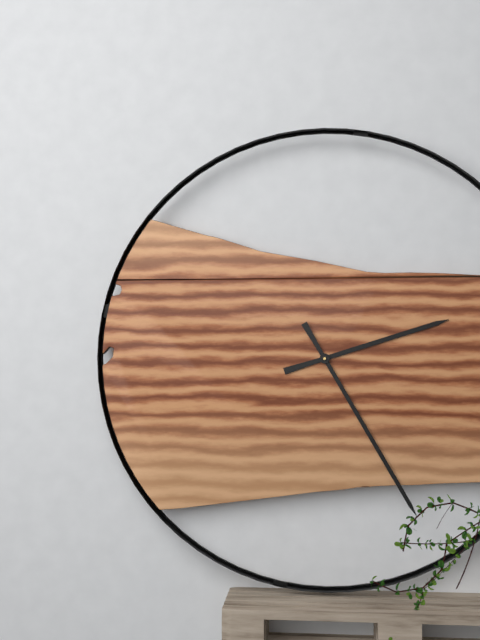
2:25
